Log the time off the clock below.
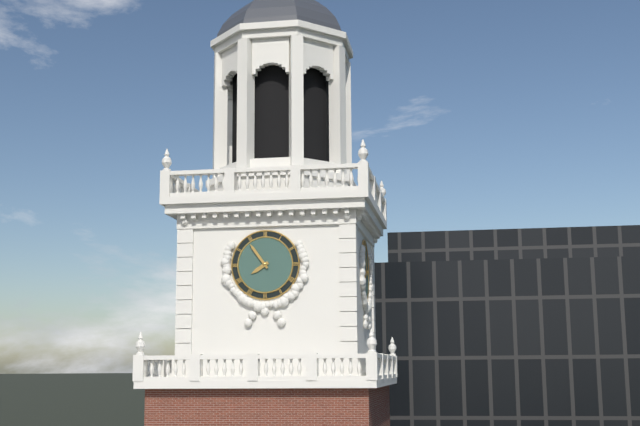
7:54
